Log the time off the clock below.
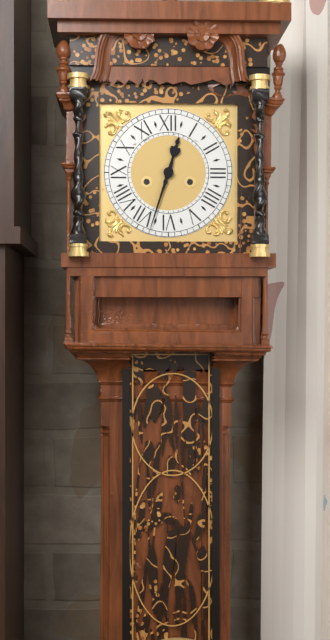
12:33
